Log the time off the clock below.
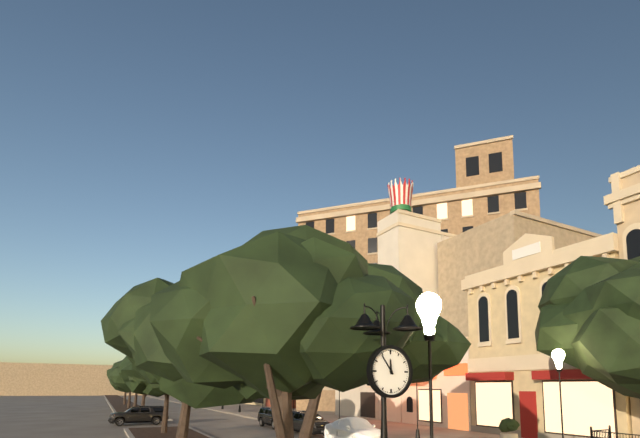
11:54
